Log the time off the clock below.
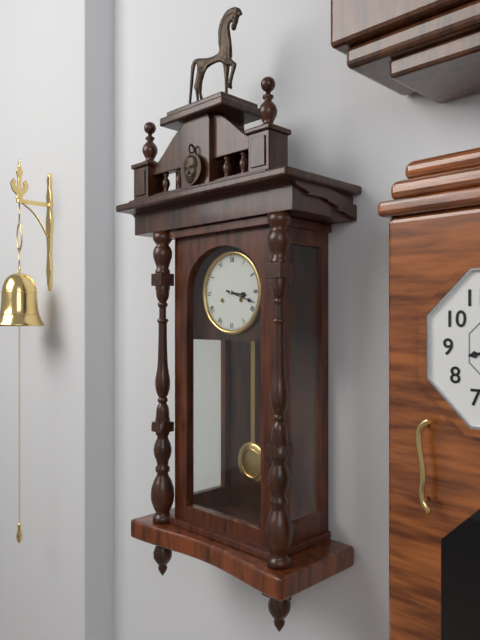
3:18
